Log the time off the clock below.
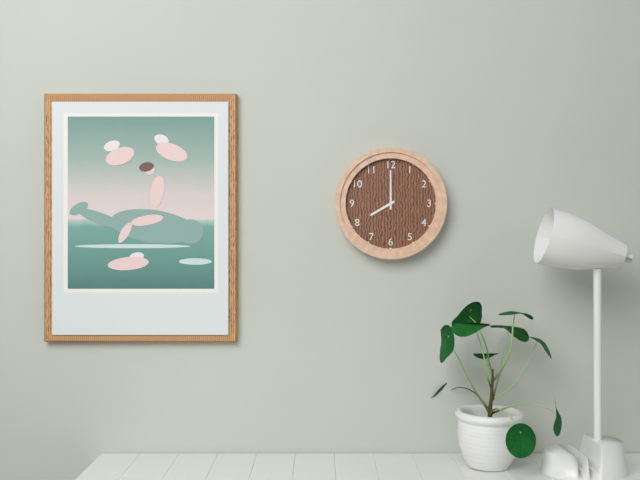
8:00
